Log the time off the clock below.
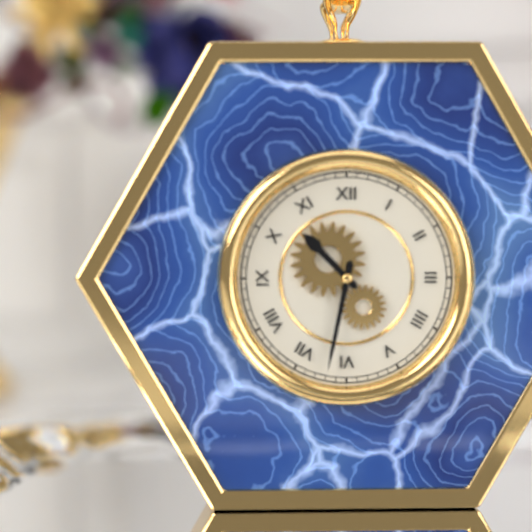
10:32
